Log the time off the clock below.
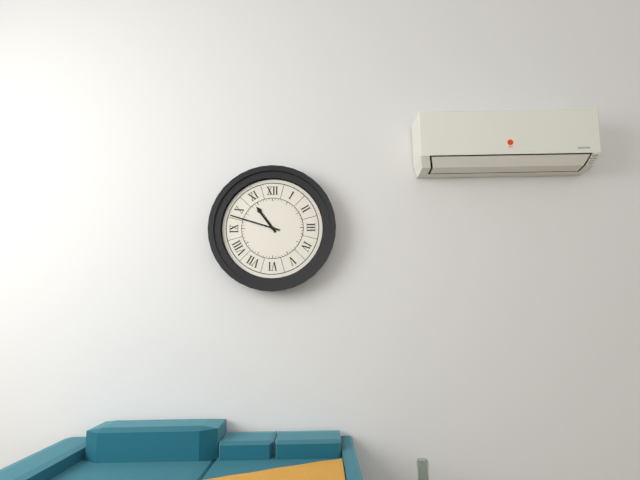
10:48
